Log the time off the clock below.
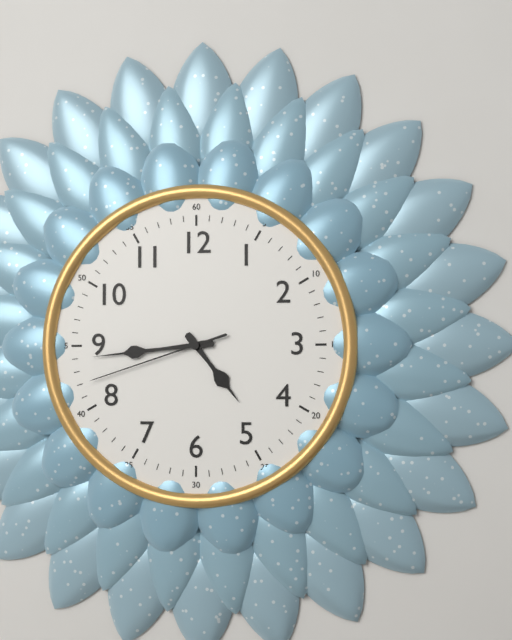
4:44:42
